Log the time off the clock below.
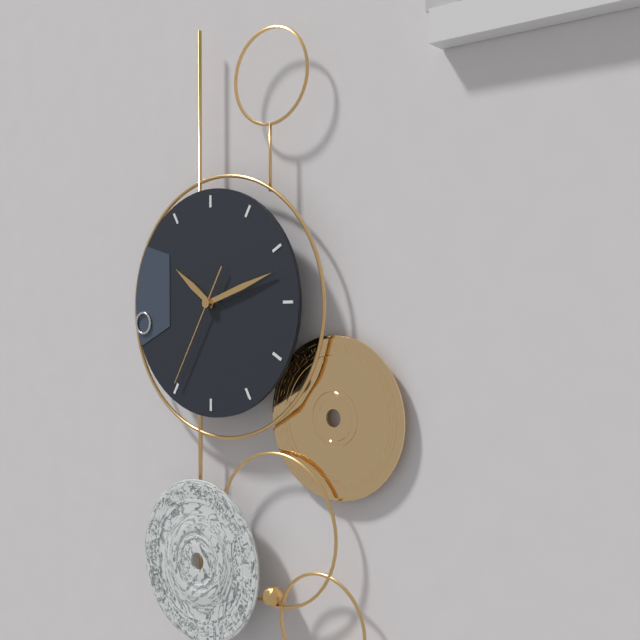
10:12:35
